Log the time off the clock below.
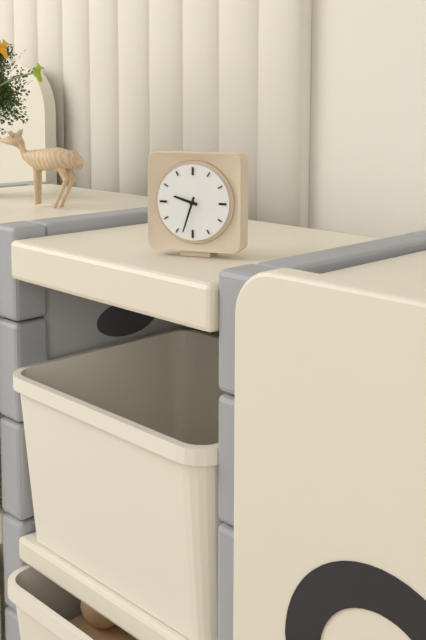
9:33
